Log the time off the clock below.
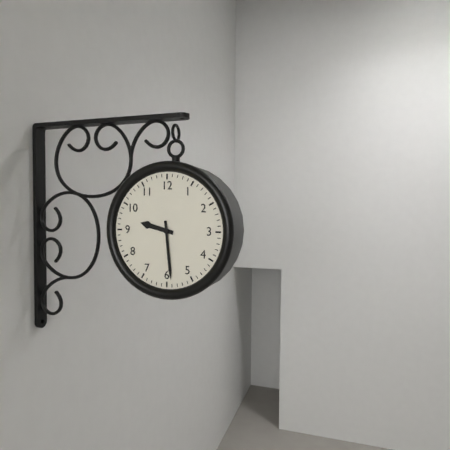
9:29
